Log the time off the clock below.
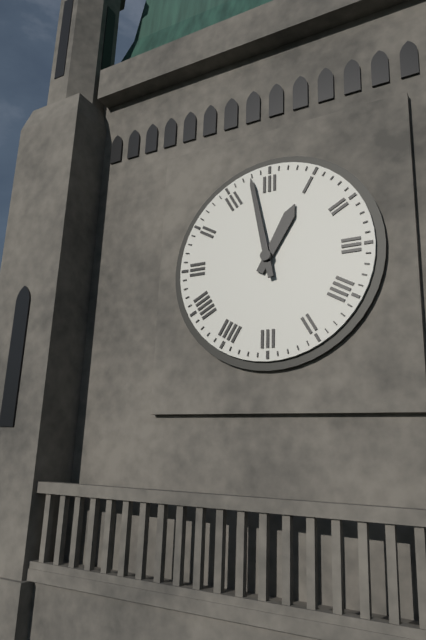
12:58
